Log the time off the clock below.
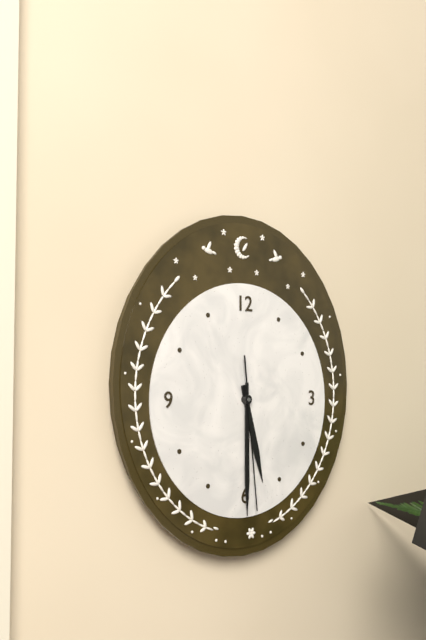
5:30:29
